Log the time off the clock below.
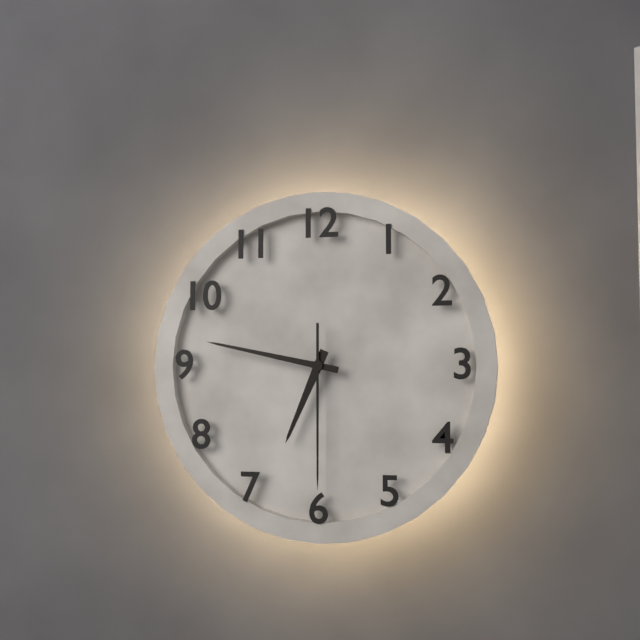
6:47:30
